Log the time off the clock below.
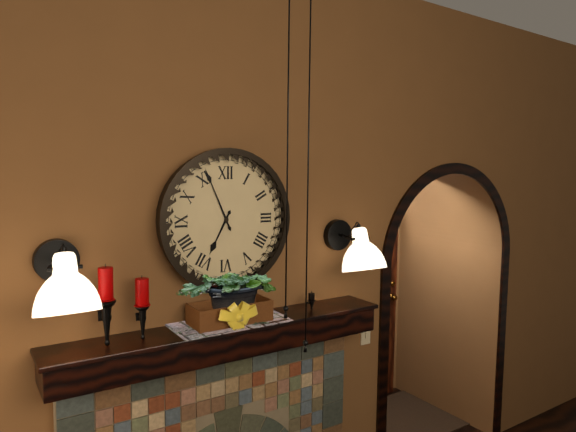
6:56
